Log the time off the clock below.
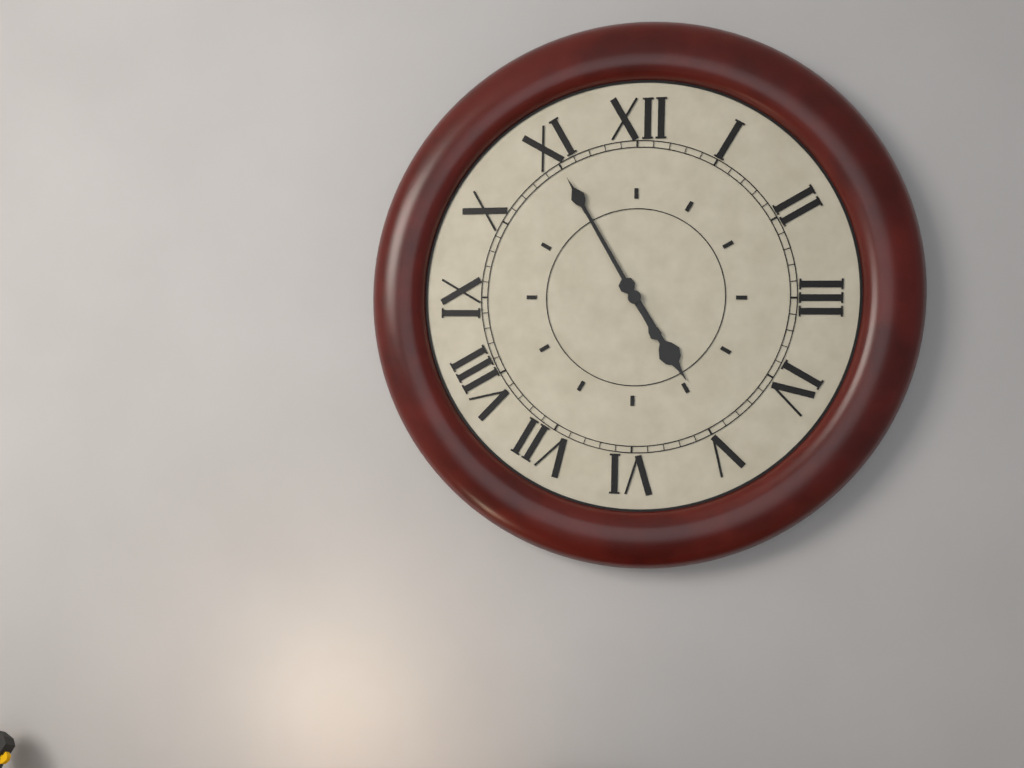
4:55
